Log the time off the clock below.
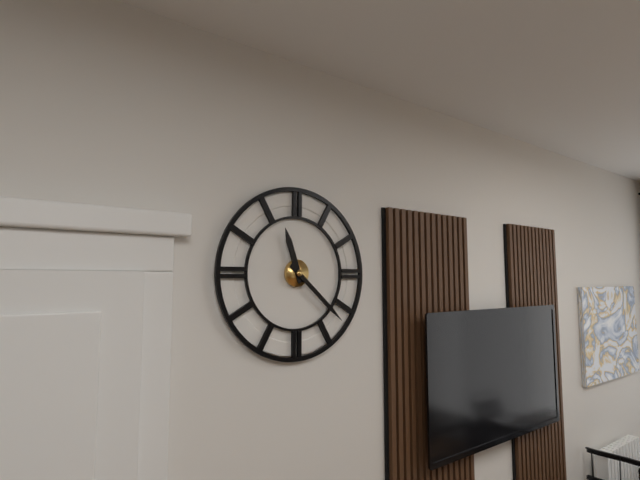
11:22
